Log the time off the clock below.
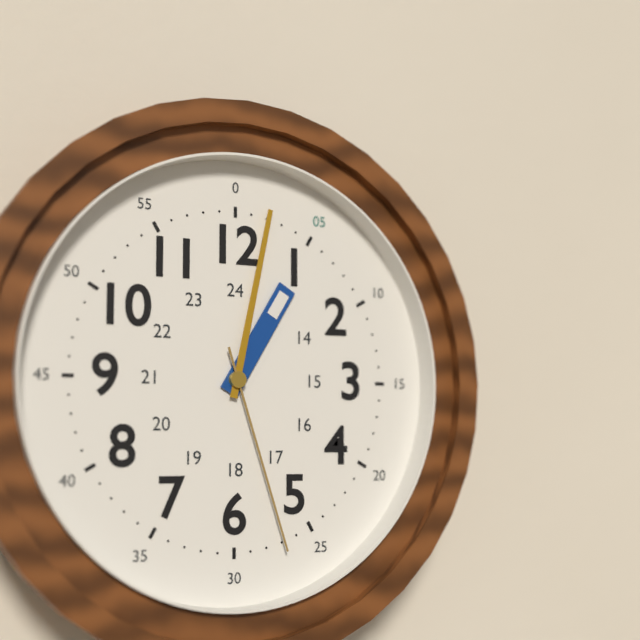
1:02:27
